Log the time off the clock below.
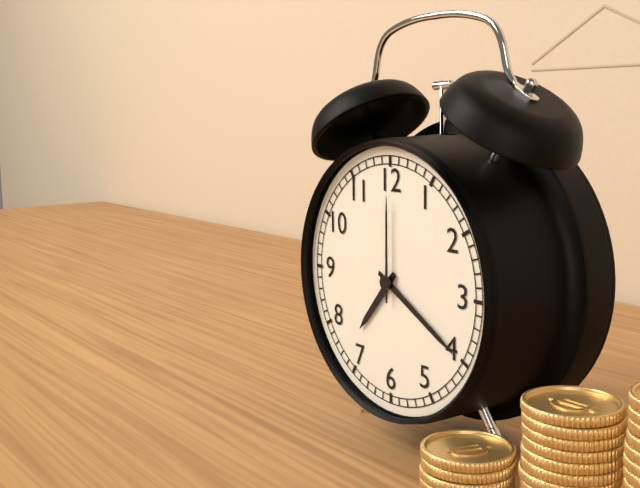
7:20:00
